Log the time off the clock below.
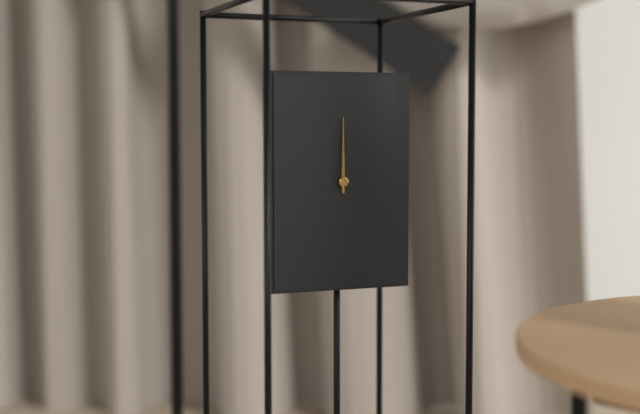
12:00
